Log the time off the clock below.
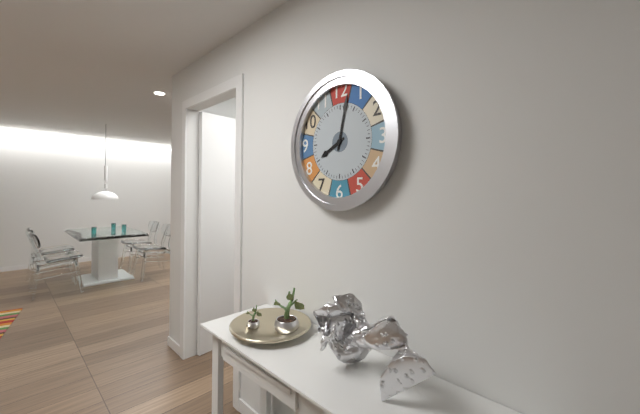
8:02
